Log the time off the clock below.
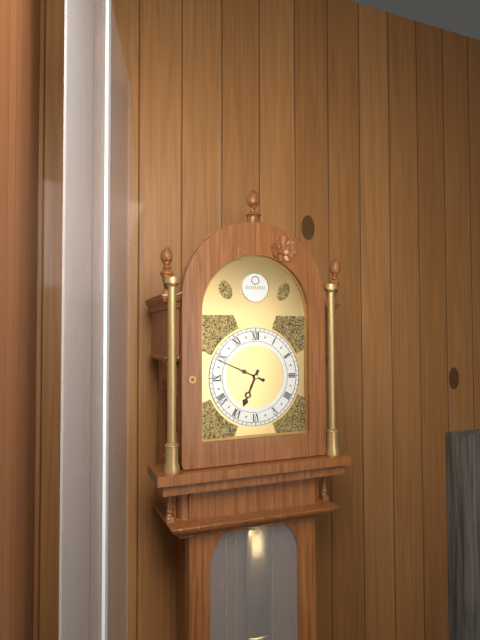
6:49
